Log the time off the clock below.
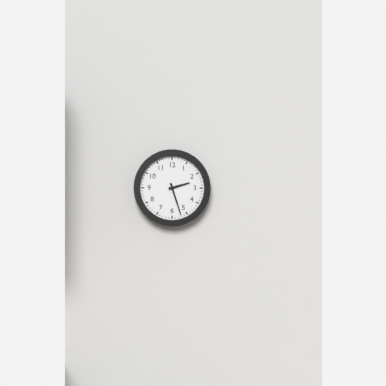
2:27
